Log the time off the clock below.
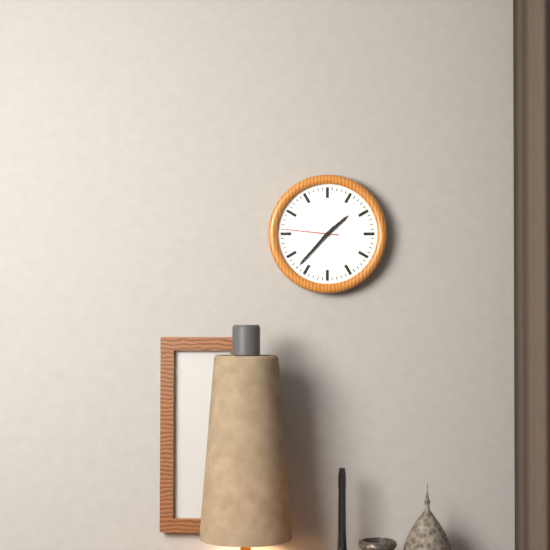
1:37:46
